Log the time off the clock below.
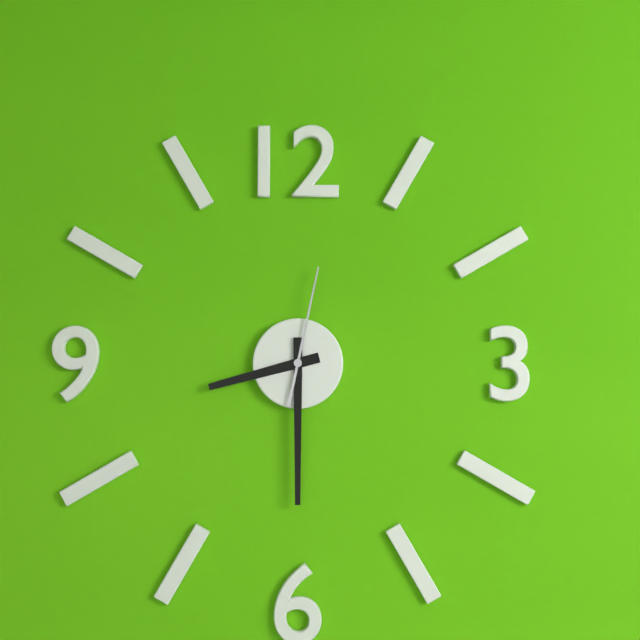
8:30:02
